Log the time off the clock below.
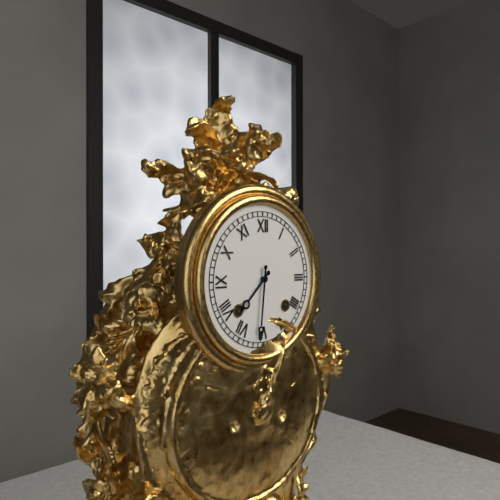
7:31
